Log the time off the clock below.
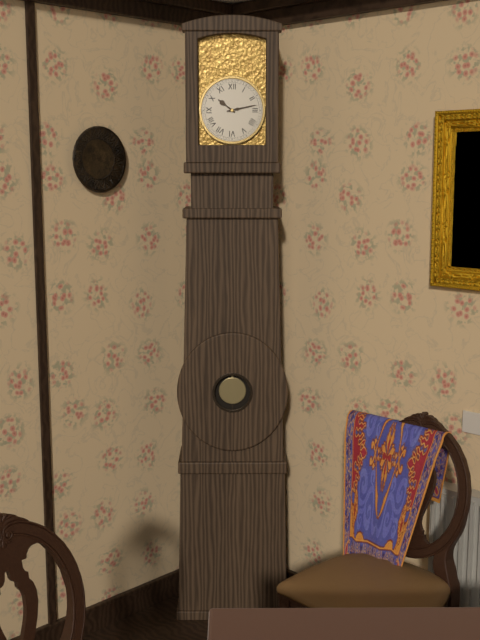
10:13
